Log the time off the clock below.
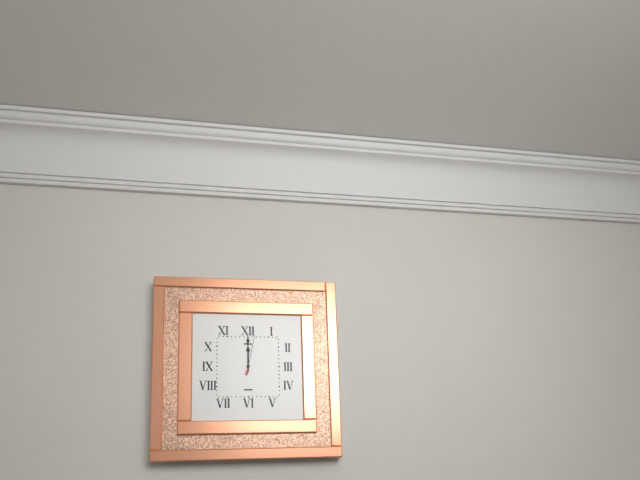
12:00
